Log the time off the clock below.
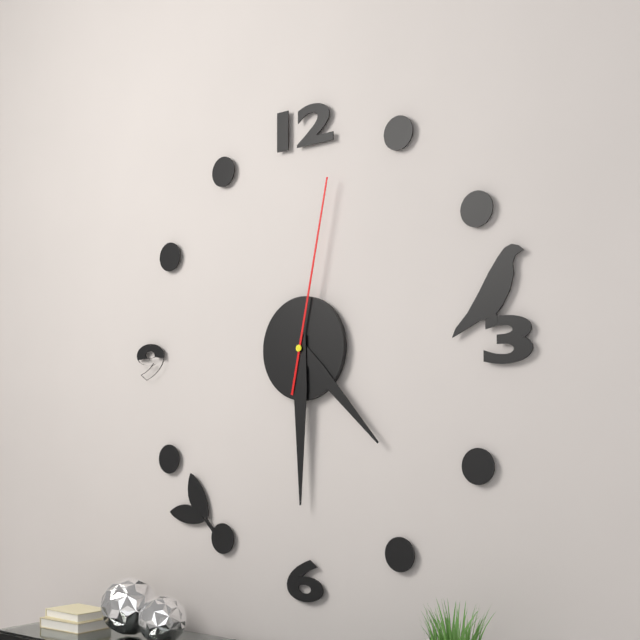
4:30:02
